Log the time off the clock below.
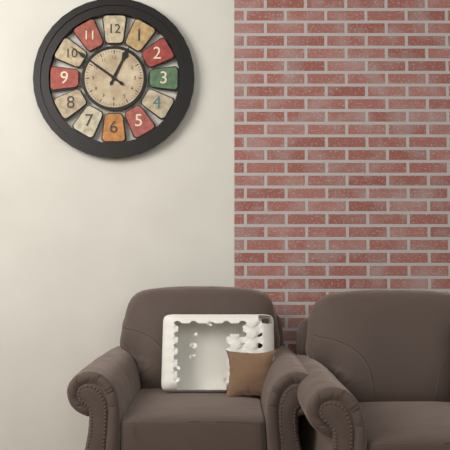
12:51
